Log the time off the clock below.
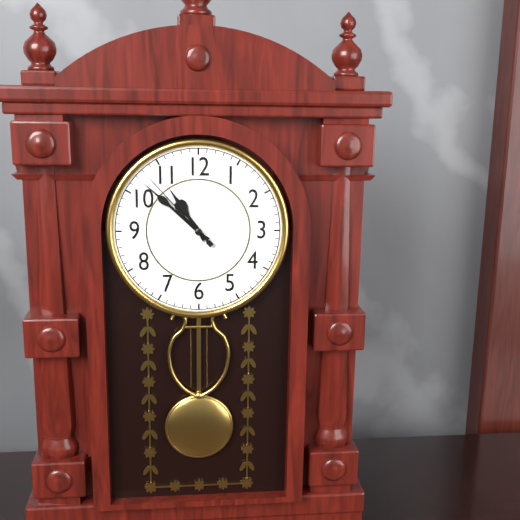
10:52:53
